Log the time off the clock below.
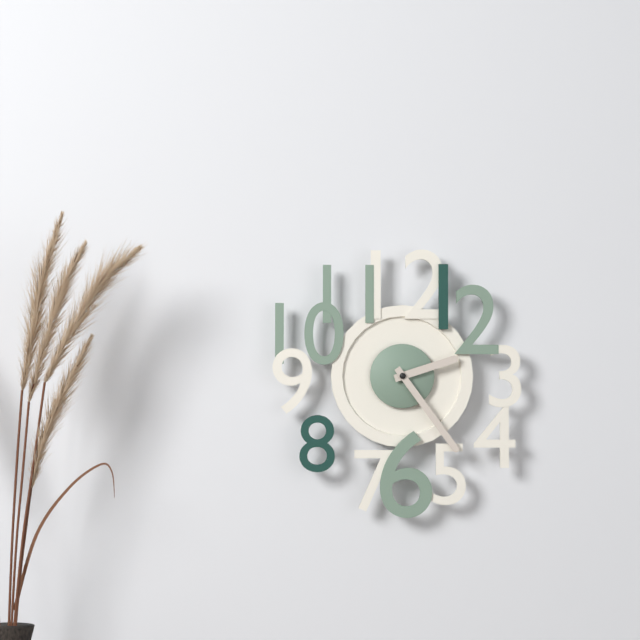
2:24
